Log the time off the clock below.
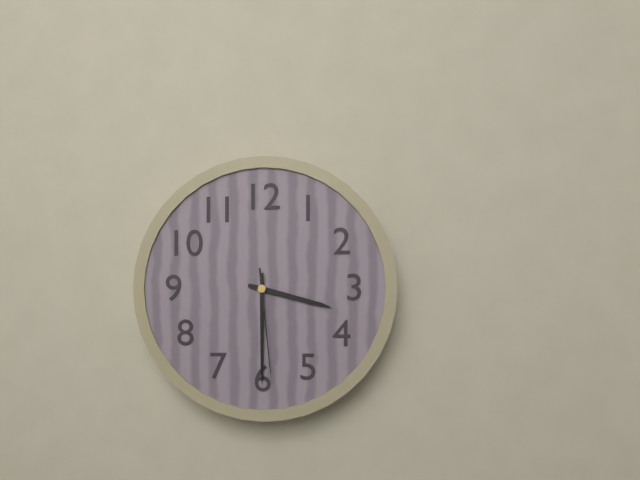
3:30:29
